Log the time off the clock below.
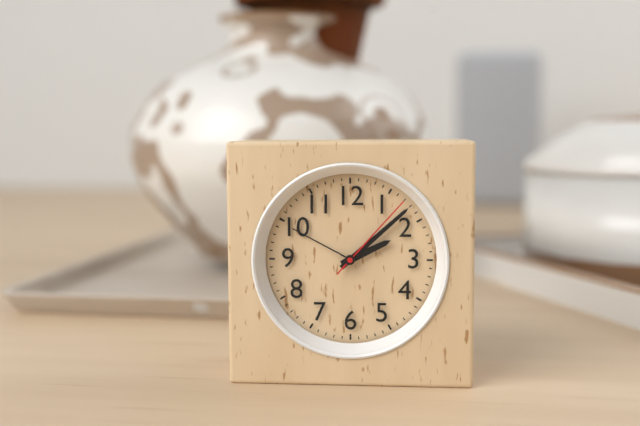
2:08:07
